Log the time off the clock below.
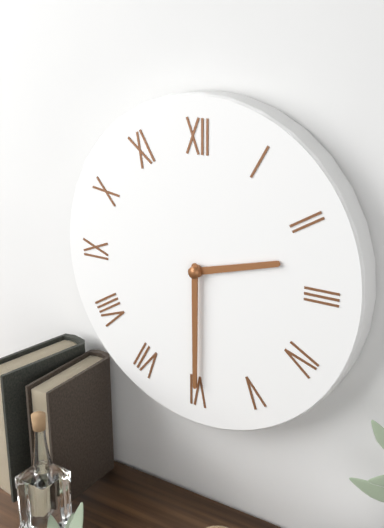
2:30
